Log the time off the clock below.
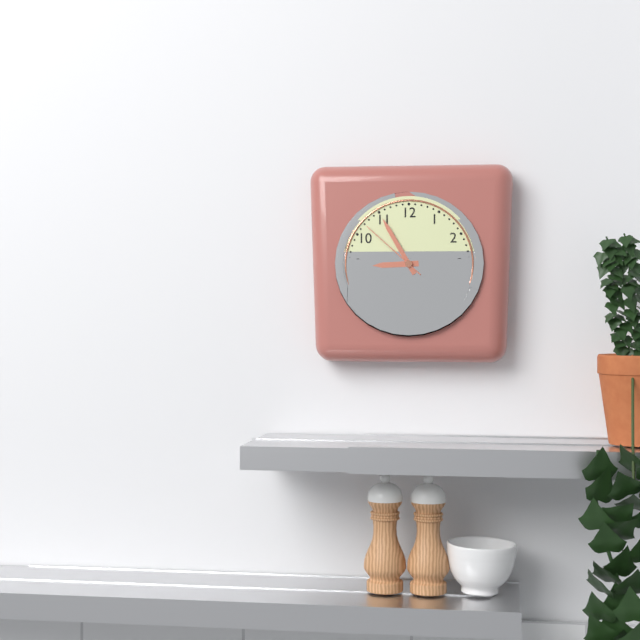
8:55:52
